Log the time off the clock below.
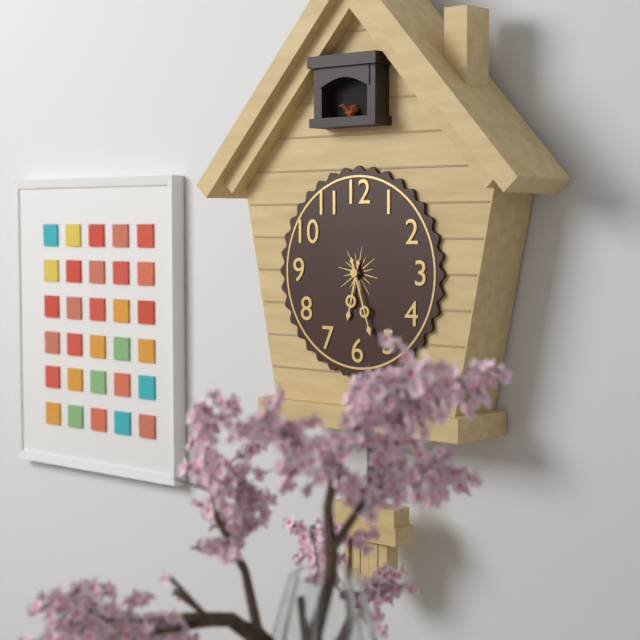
6:27
